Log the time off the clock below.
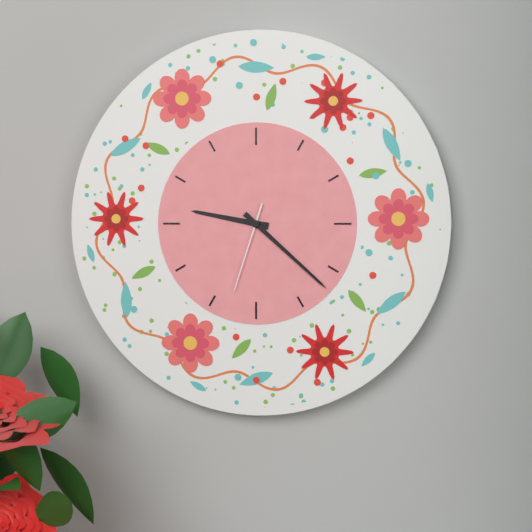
9:22:33
